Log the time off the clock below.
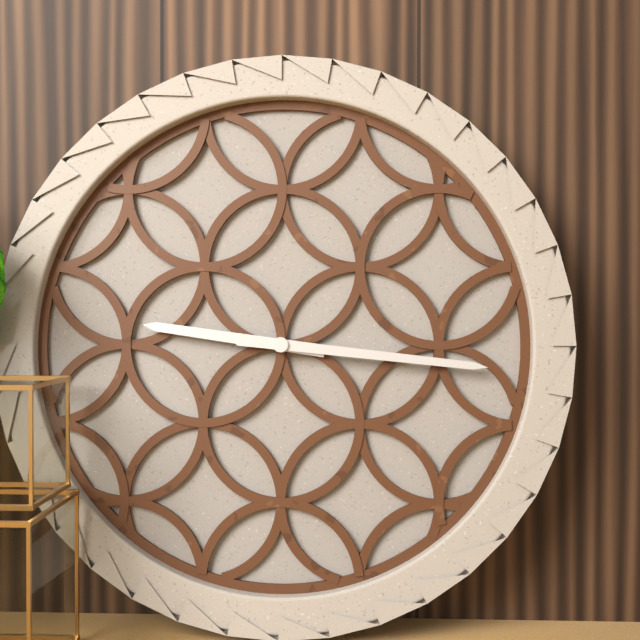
9:16
